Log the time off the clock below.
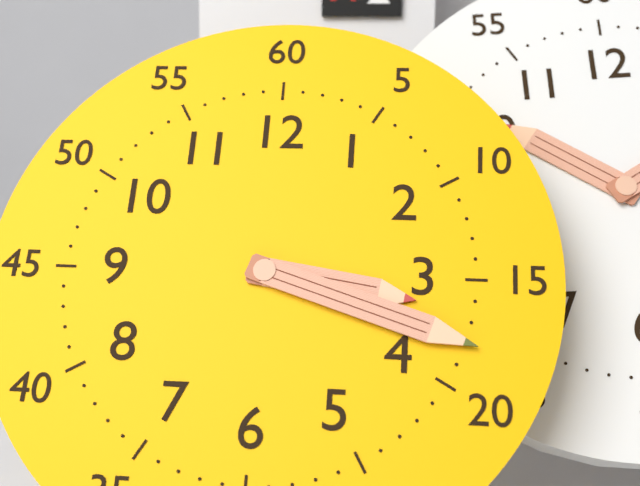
3:18
